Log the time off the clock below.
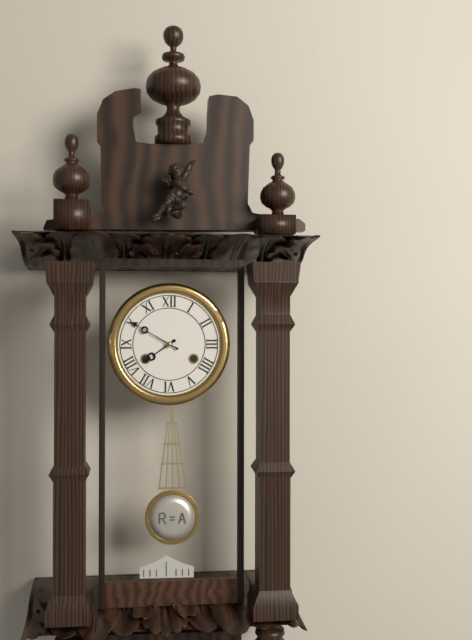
7:50
